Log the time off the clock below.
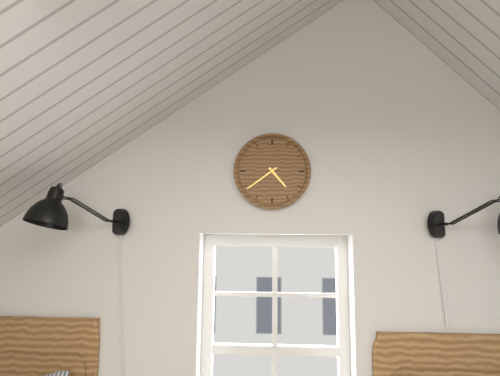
4:39
